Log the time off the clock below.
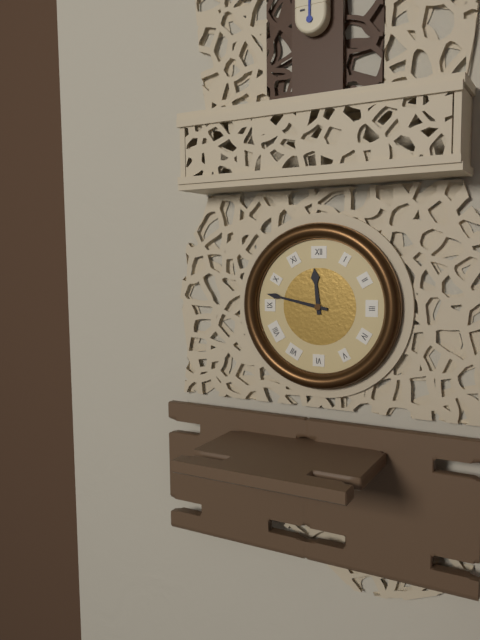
11:47
